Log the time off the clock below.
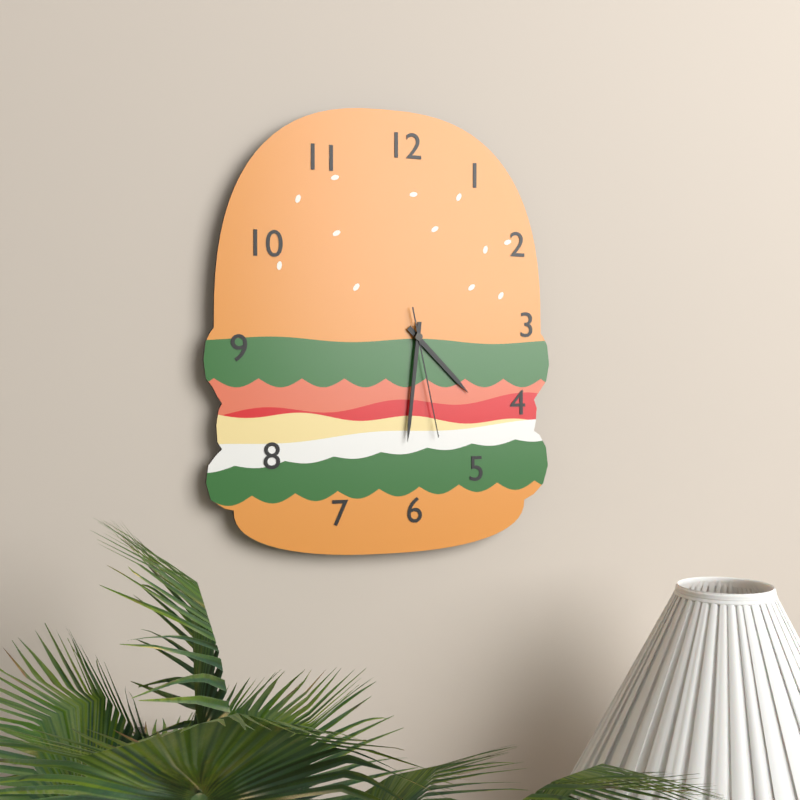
4:31:28
